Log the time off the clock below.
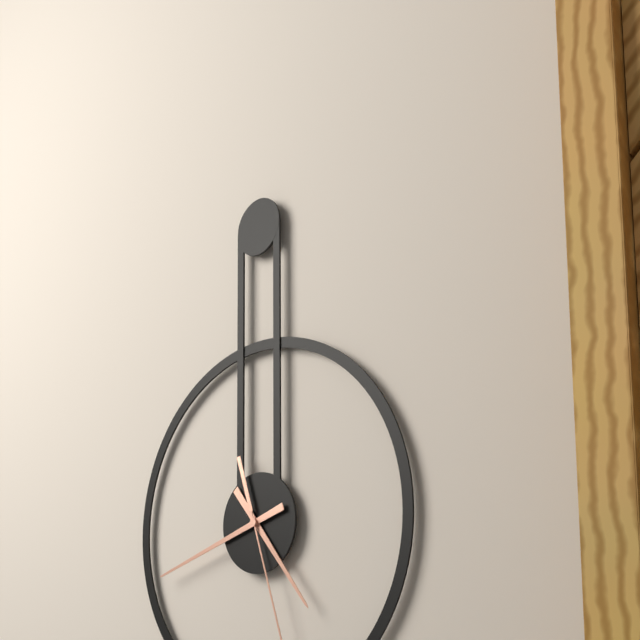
4:42
